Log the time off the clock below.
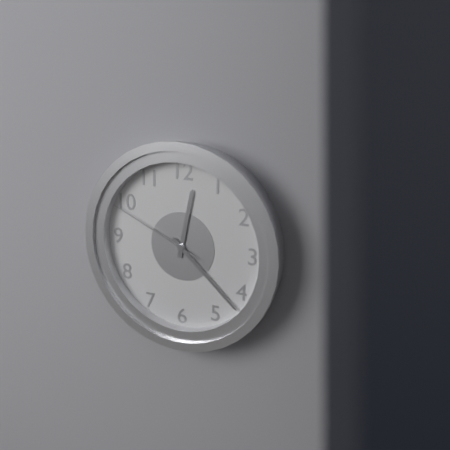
12:22:49
